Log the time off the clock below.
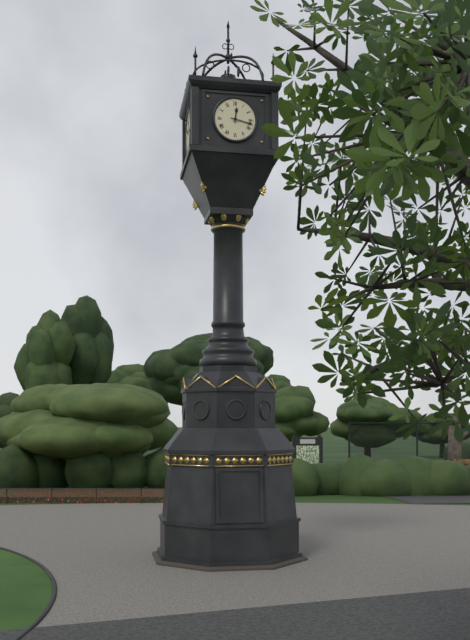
12:17
